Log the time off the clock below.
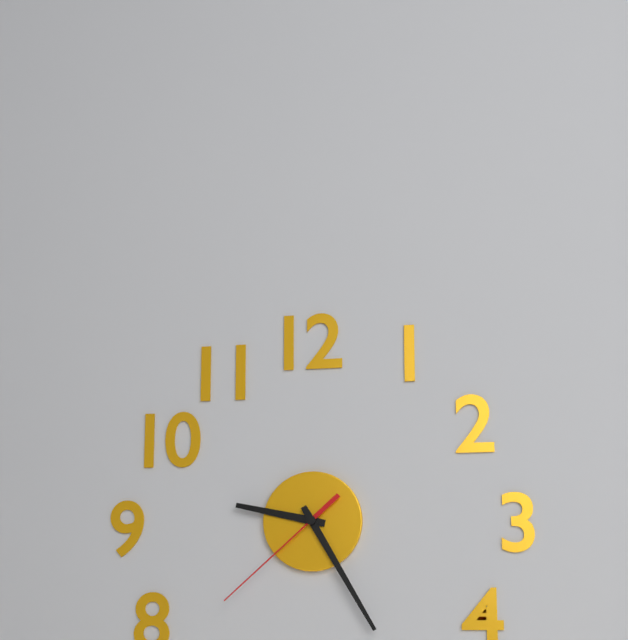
9:25:38
